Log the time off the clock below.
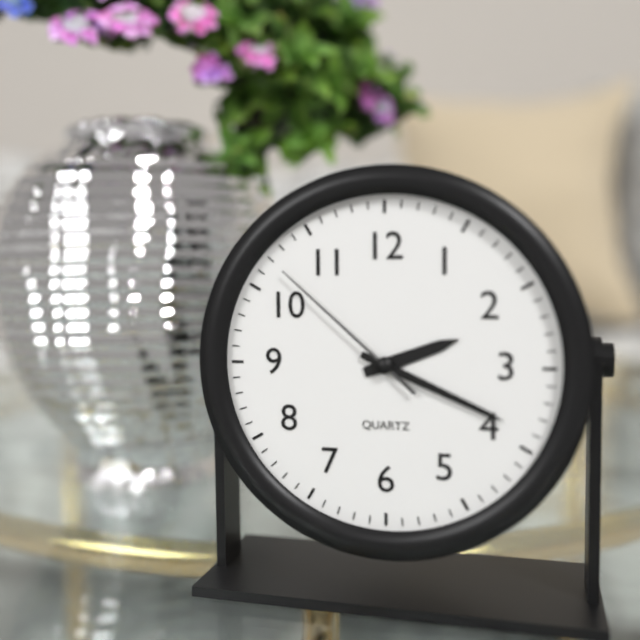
2:19:52
